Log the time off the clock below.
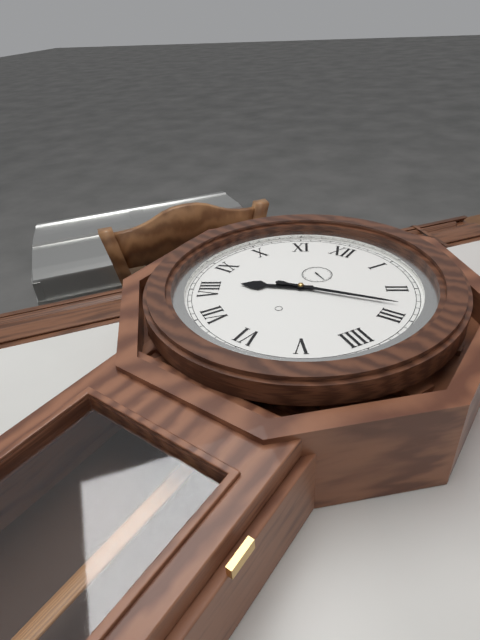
8:13
